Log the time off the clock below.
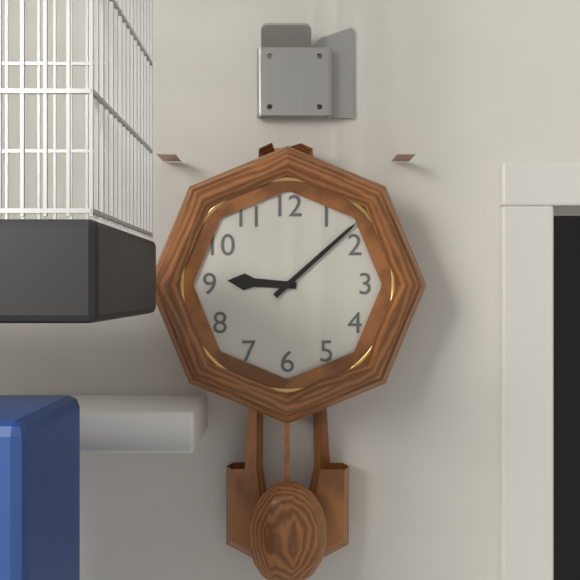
9:08
